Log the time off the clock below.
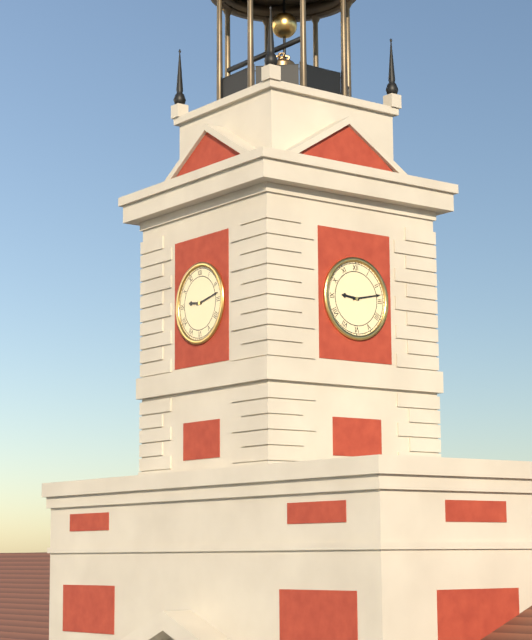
9:13
